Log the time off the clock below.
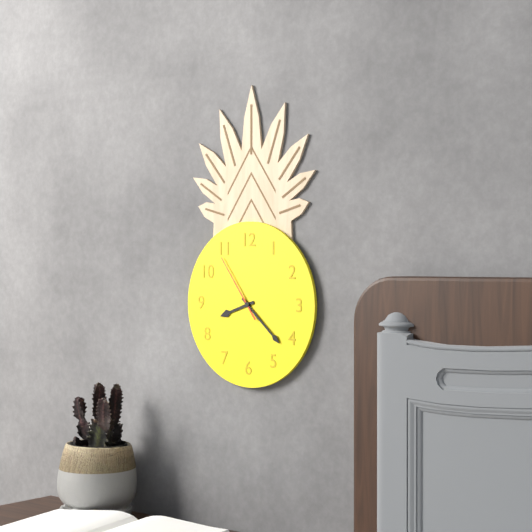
8:22:54
